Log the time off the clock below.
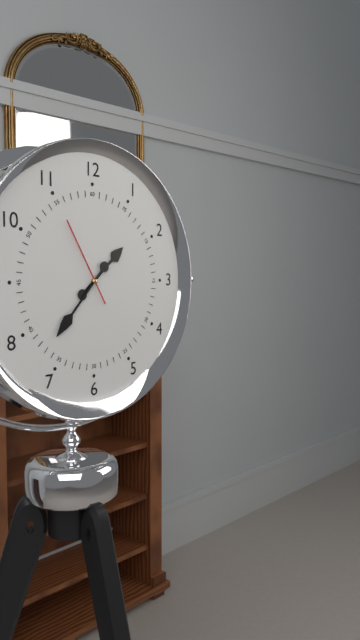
1:37:55
